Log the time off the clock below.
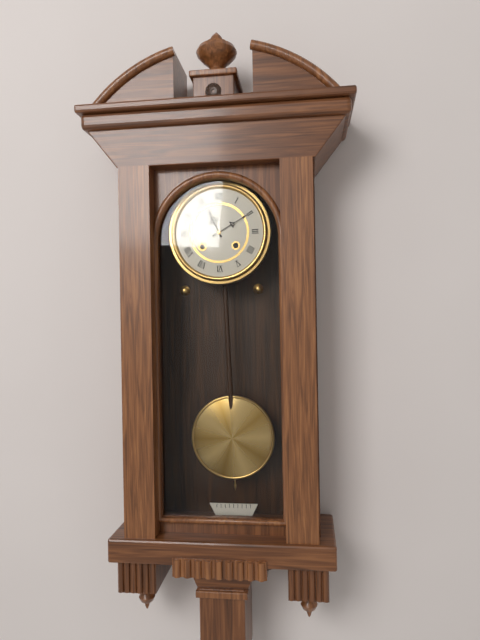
11:10
